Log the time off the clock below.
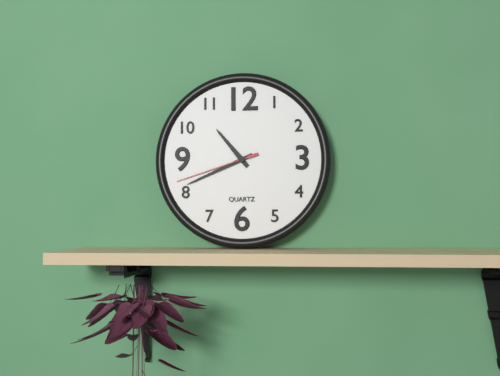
10:41:42
